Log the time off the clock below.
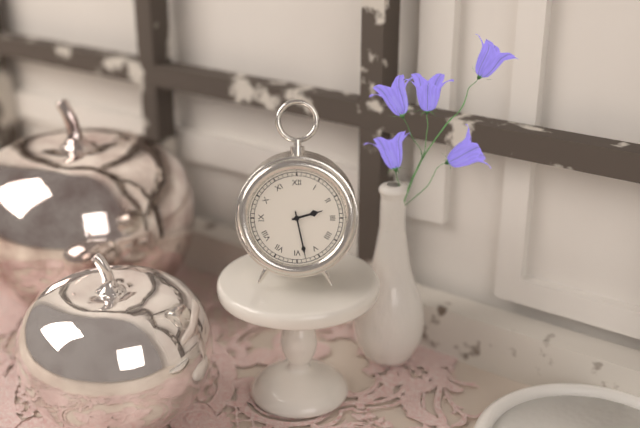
2:28
